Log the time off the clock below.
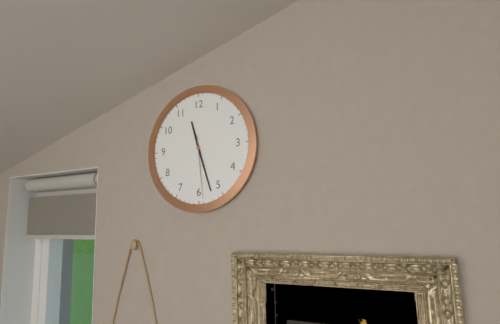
11:27:29
